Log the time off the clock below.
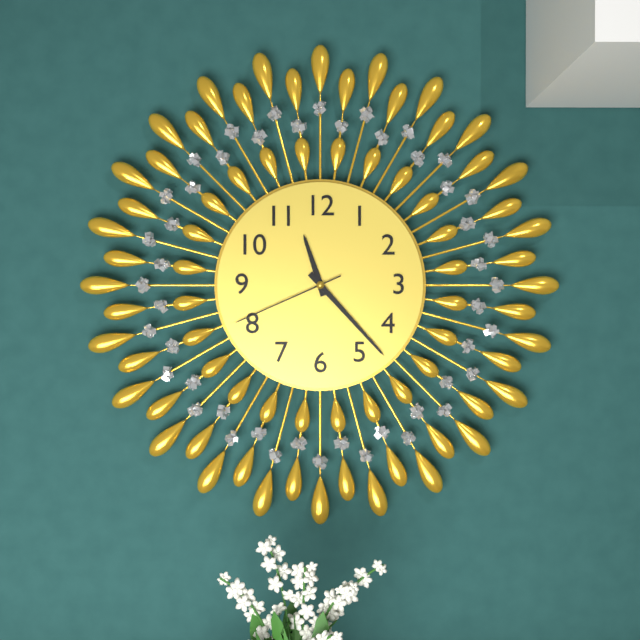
11:23:41
